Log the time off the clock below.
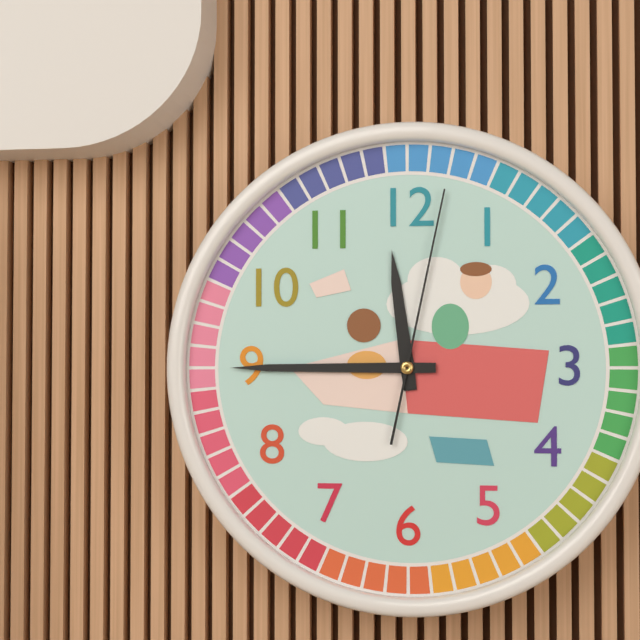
11:45:02
